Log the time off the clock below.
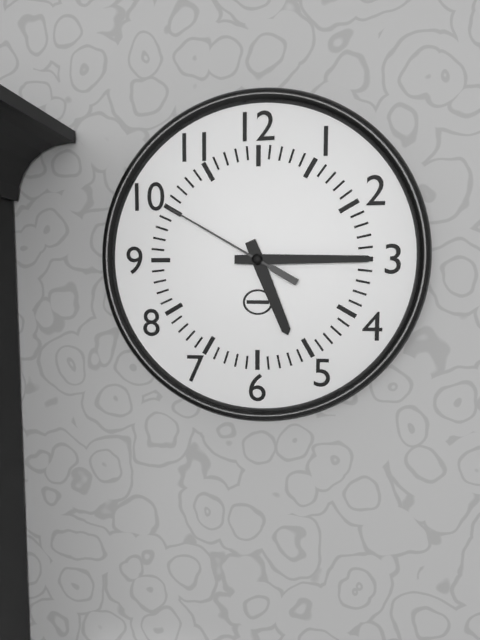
5:15:50
